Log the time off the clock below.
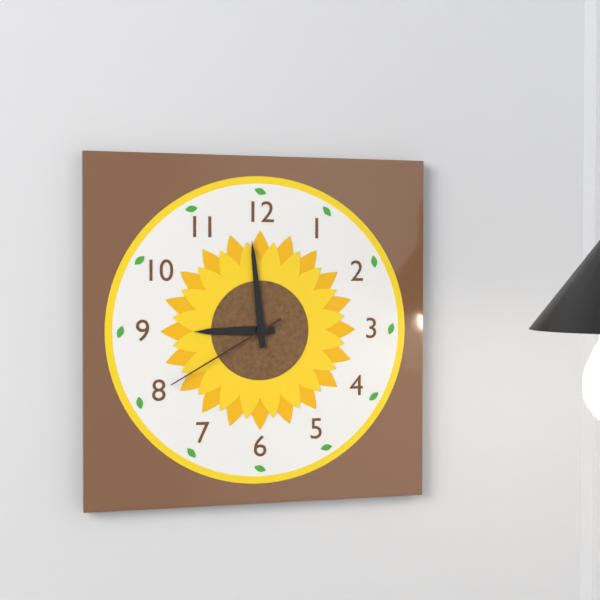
8:59:40
